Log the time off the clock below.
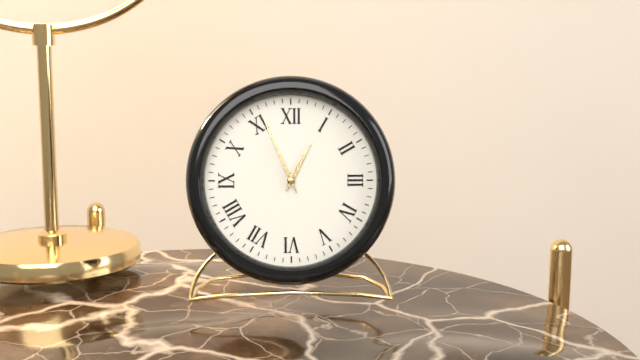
12:56
